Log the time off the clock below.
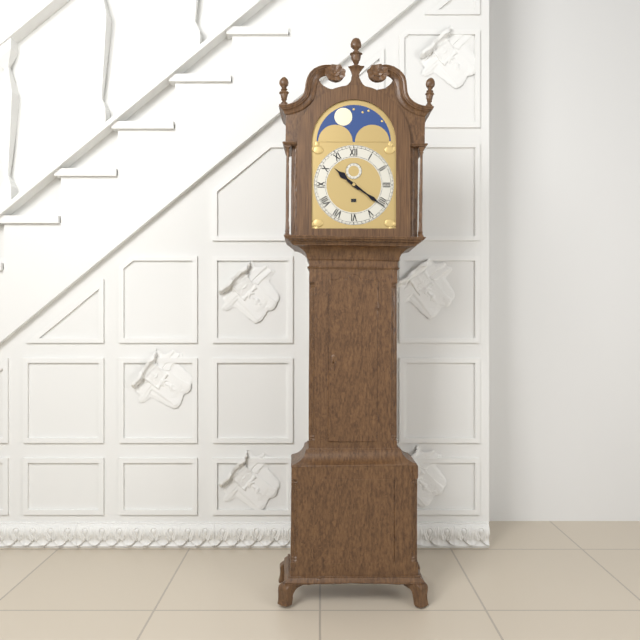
10:21
